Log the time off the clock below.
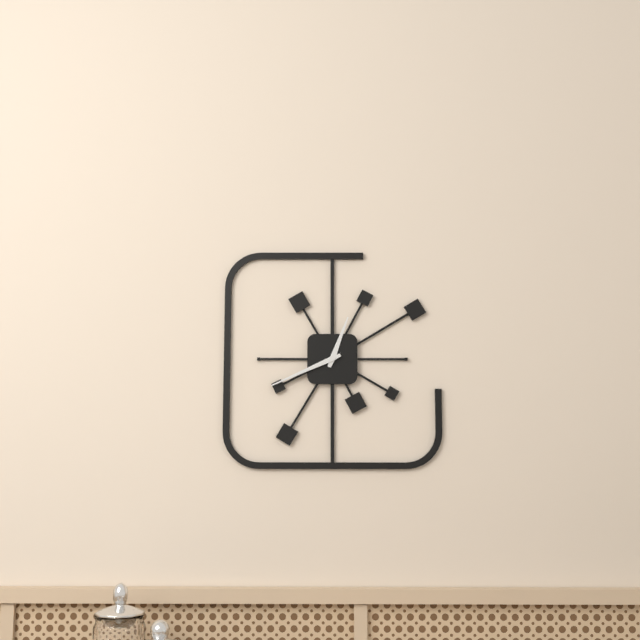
12:41
